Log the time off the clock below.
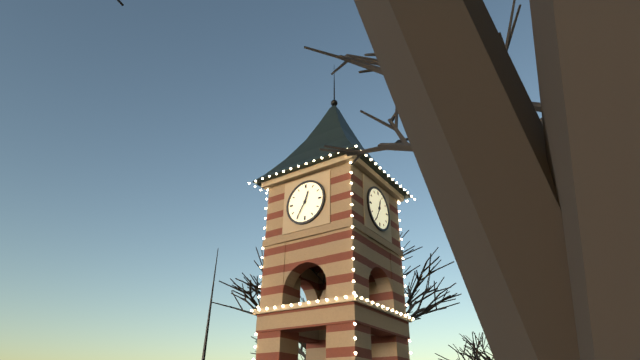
12:35
